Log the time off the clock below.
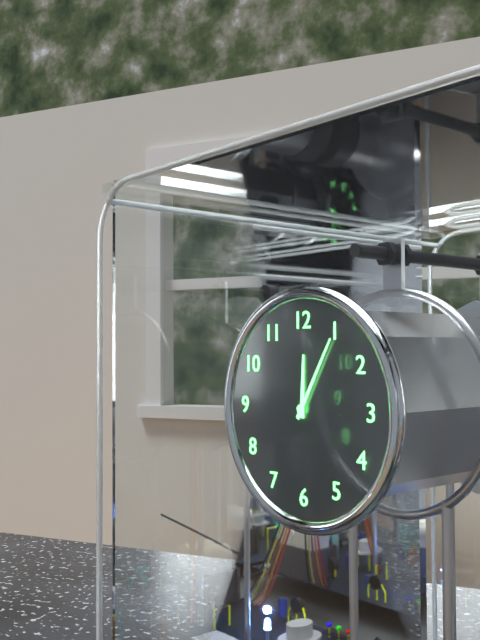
12:05
